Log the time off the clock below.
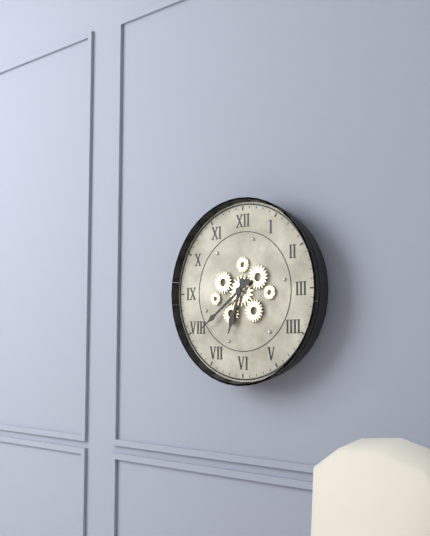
6:39
